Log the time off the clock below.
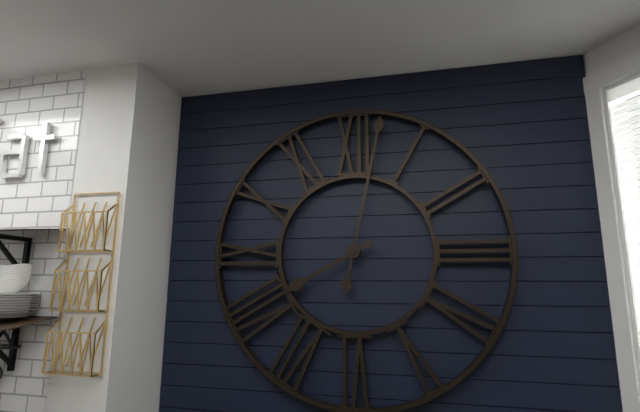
8:02
